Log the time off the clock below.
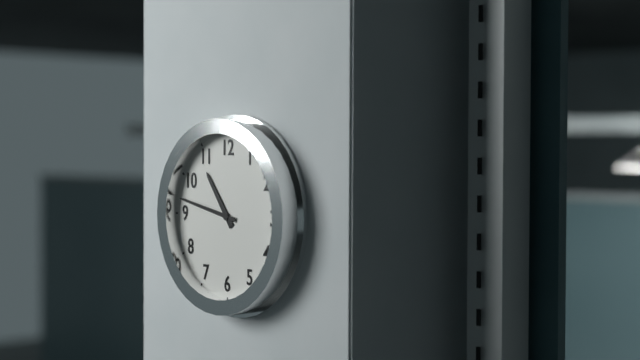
10:47
